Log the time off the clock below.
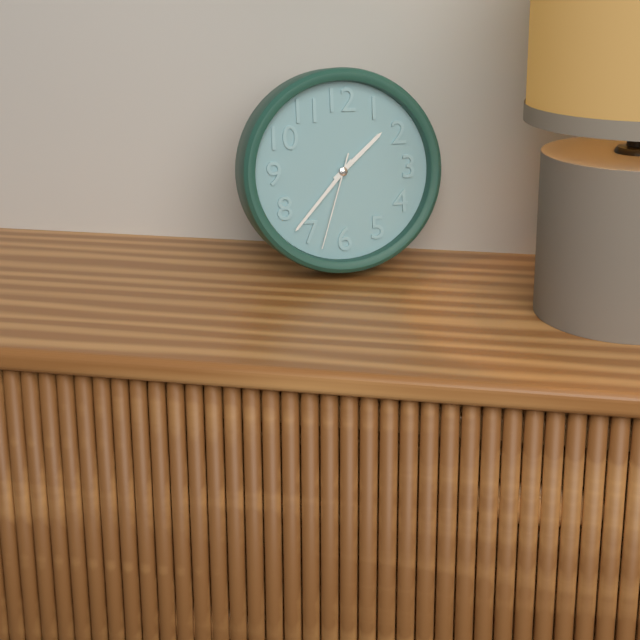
1:37:33
